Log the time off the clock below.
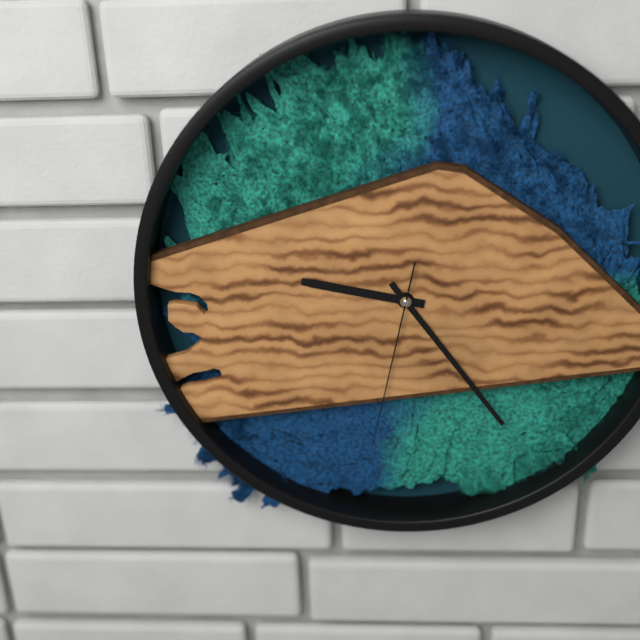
9:24:32
